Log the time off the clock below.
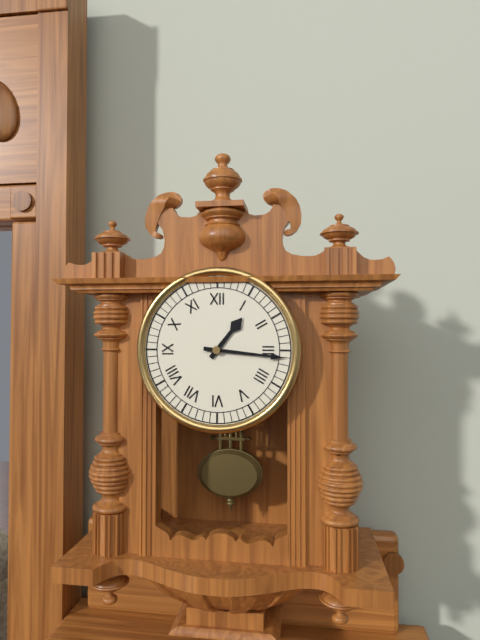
1:16
